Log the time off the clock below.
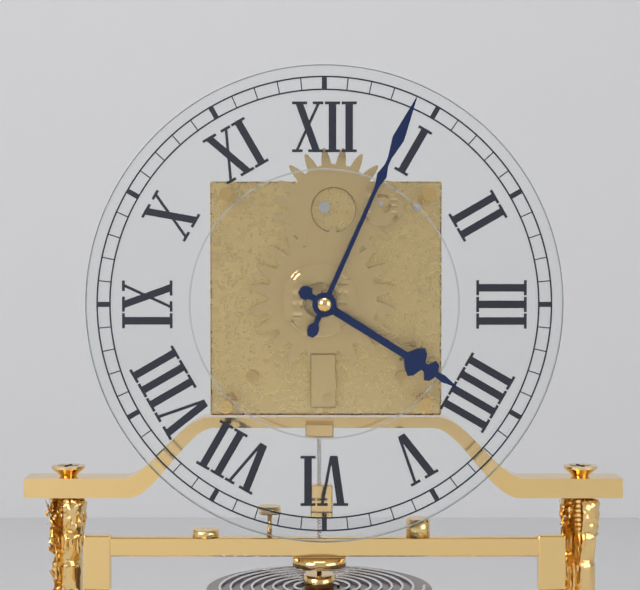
4:04
